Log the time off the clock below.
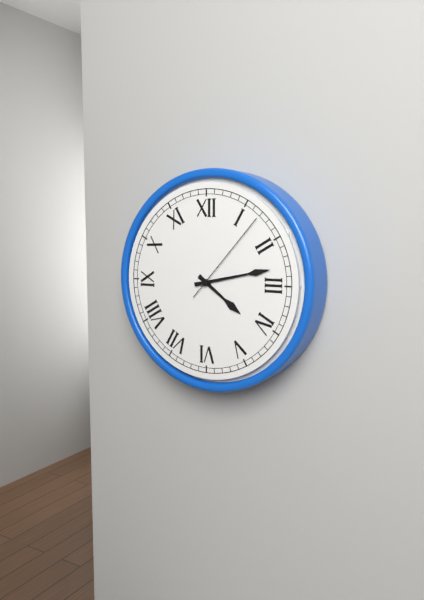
4:13:07
